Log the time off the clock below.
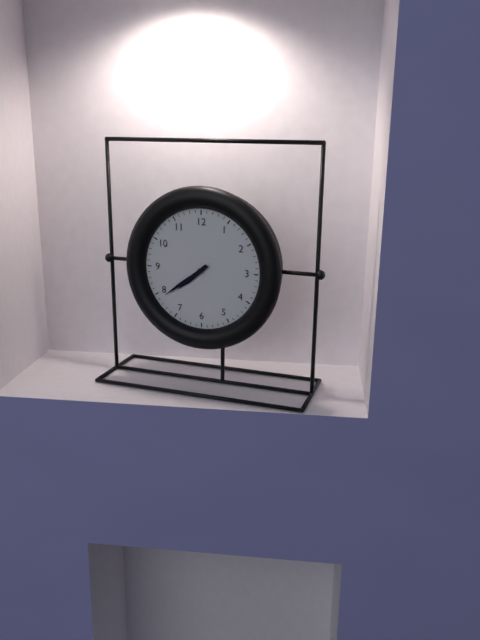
7:39
